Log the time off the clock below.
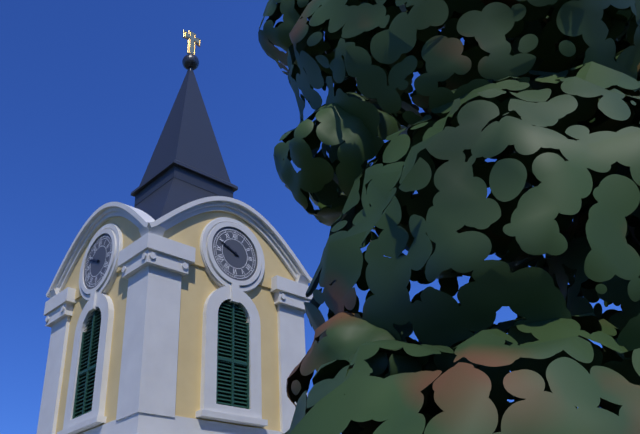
9:49
